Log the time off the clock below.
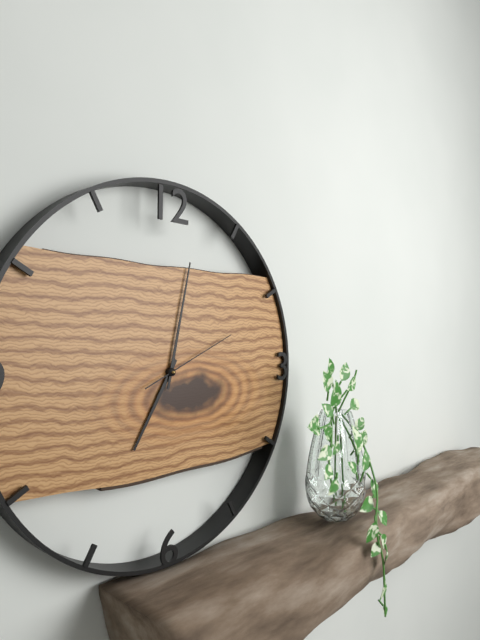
7:02:11
